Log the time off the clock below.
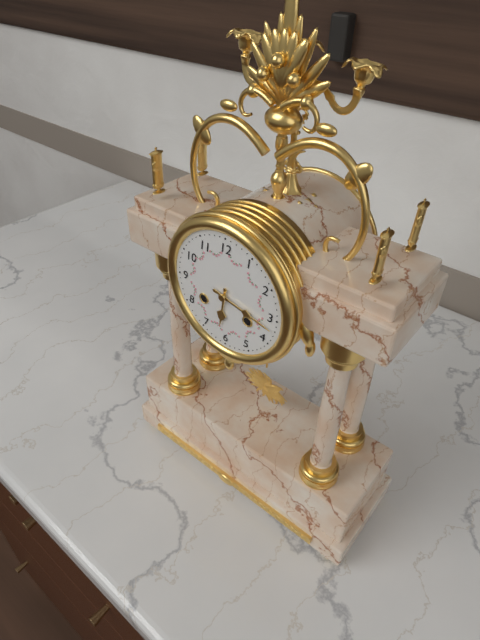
6:17
